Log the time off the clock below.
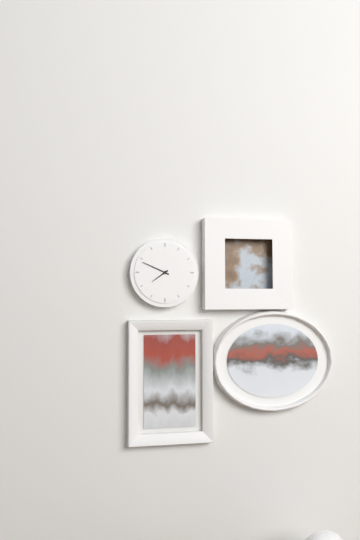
7:49
